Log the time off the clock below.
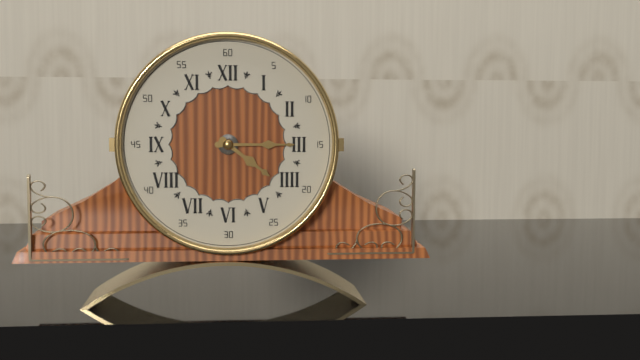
4:15
